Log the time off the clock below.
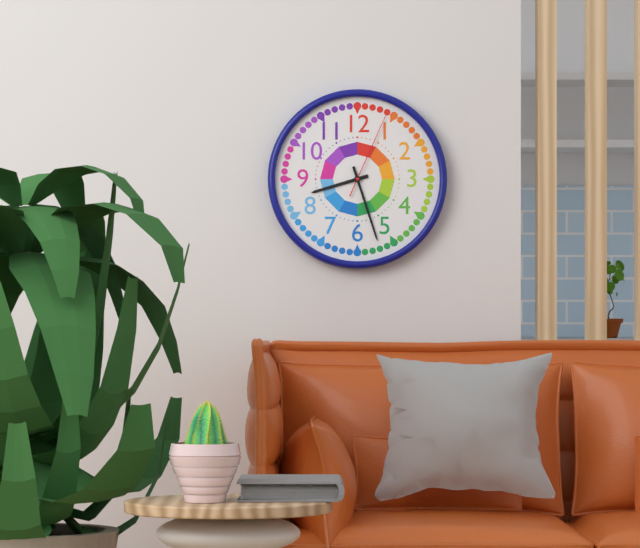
8:27:04
